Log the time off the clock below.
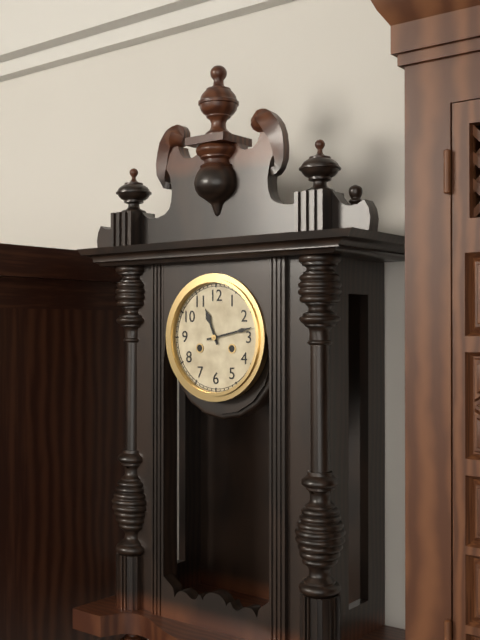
11:13
